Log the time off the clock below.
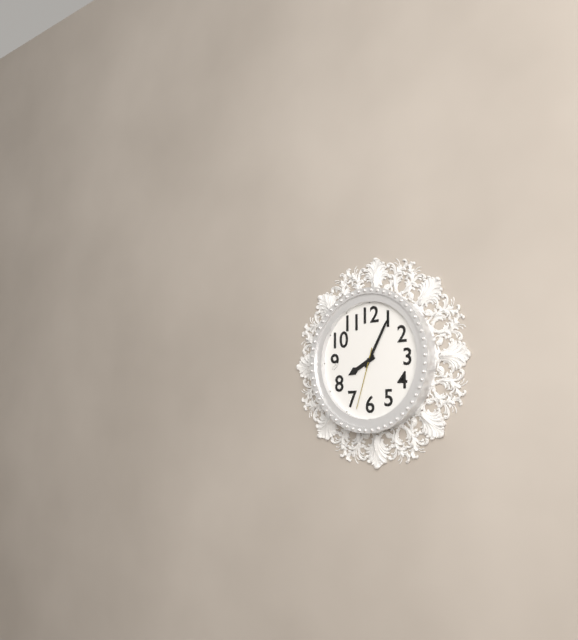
8:05:33
